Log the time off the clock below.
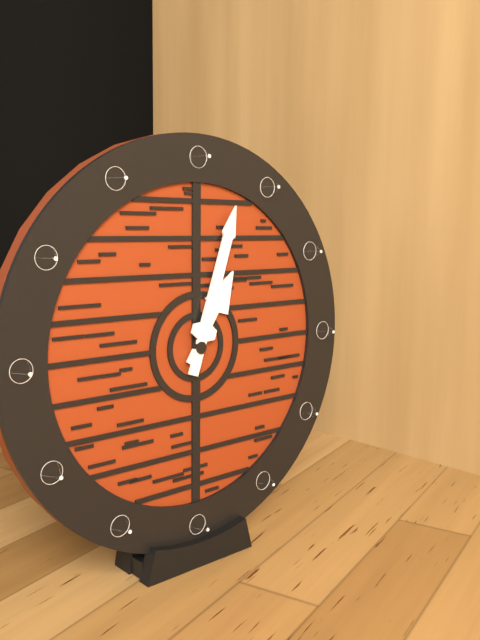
1:03
